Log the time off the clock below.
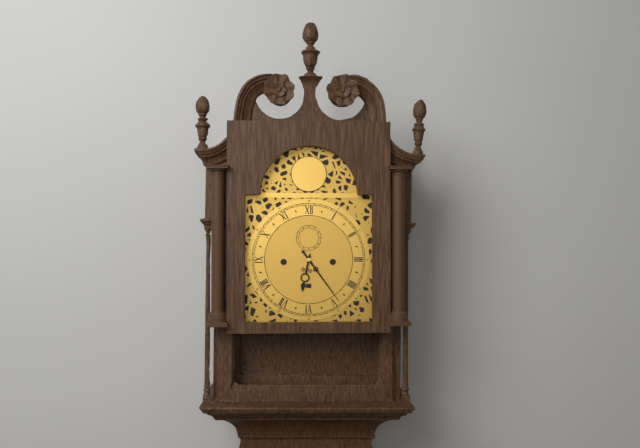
6:24
